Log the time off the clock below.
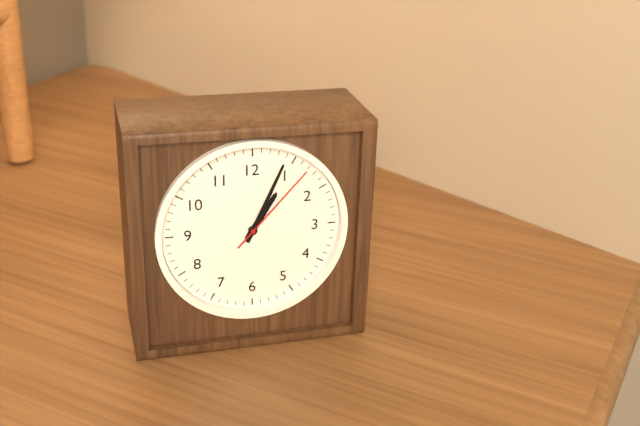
1:04:07
